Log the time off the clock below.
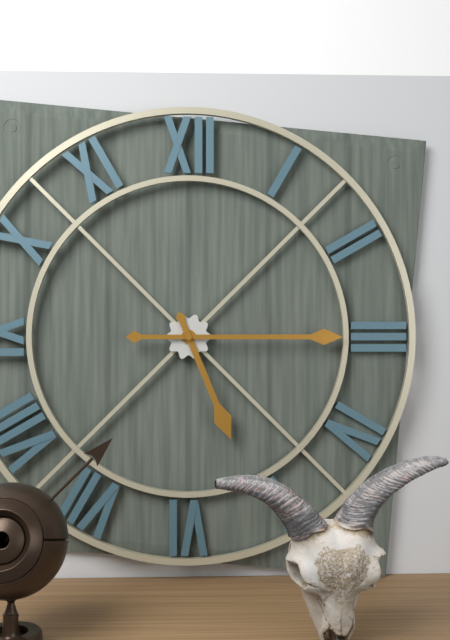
5:15
